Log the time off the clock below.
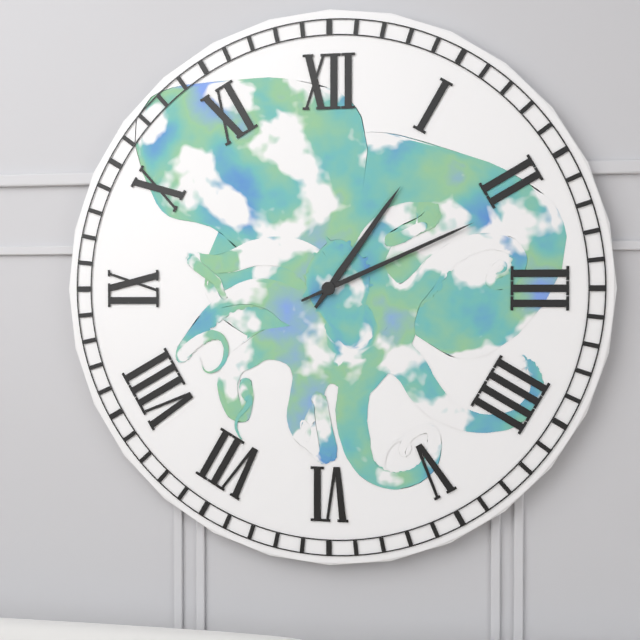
1:11
